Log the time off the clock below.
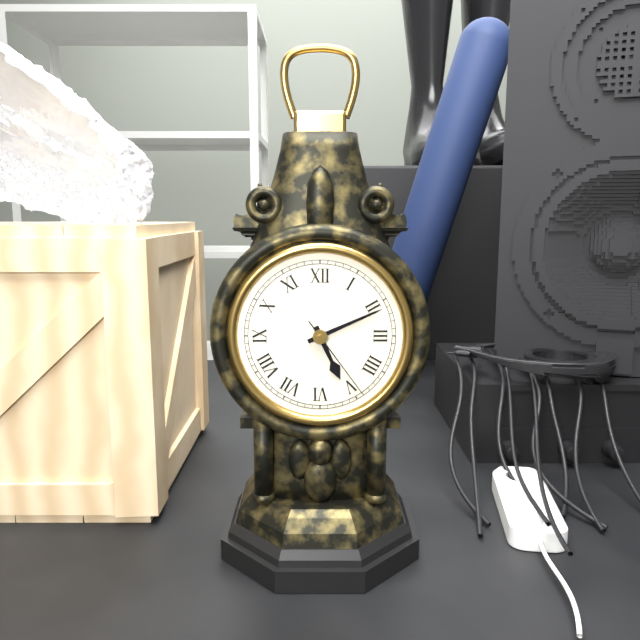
5:11:24
